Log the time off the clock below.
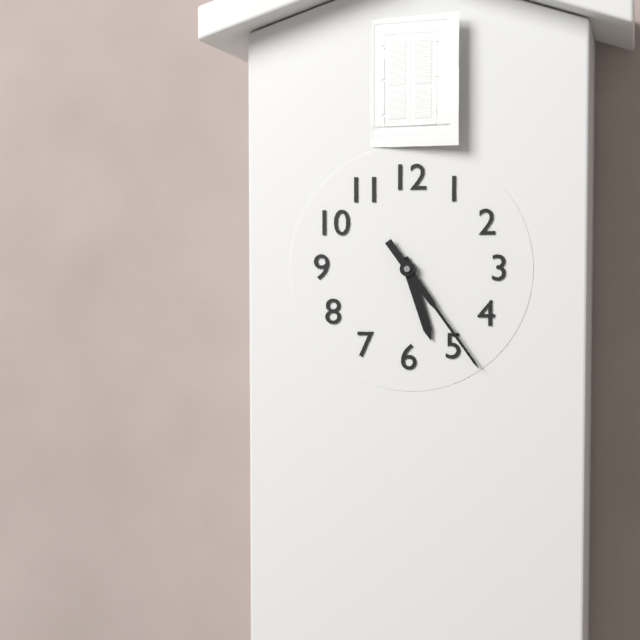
5:24
